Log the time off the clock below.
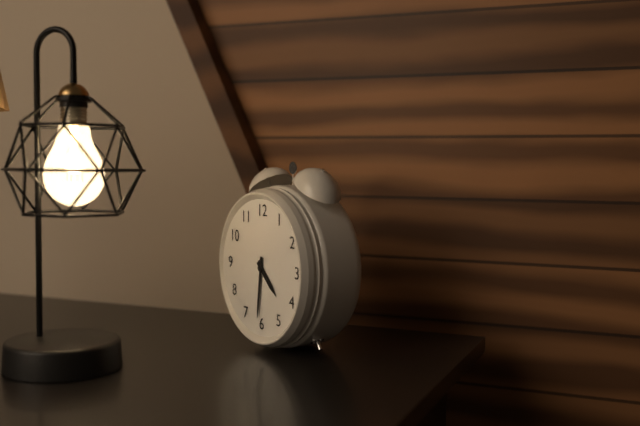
4:31
